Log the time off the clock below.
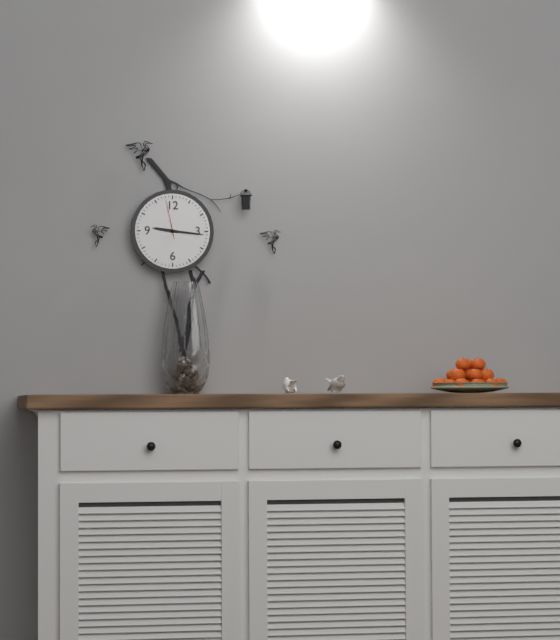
9:16
